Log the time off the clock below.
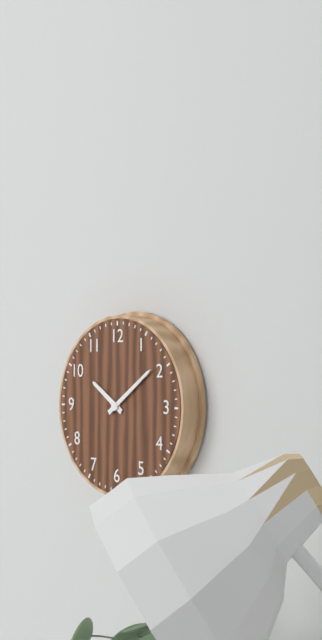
10:09
